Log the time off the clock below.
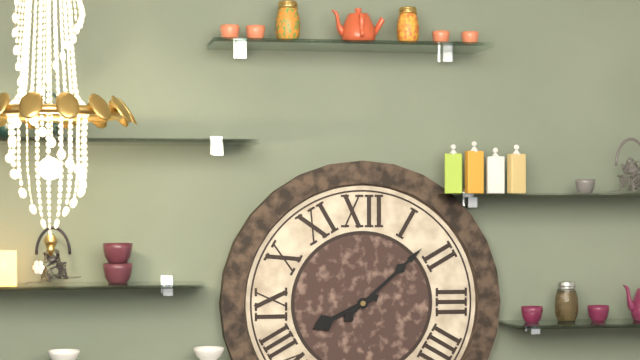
8:08
